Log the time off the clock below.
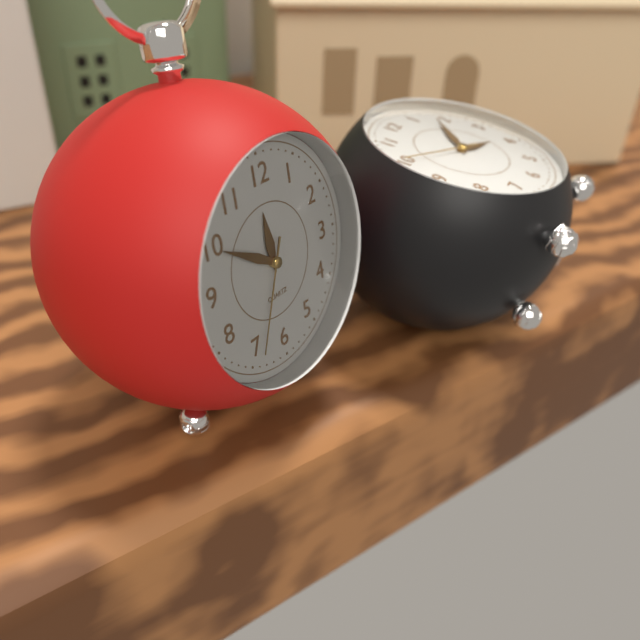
11:50:34
